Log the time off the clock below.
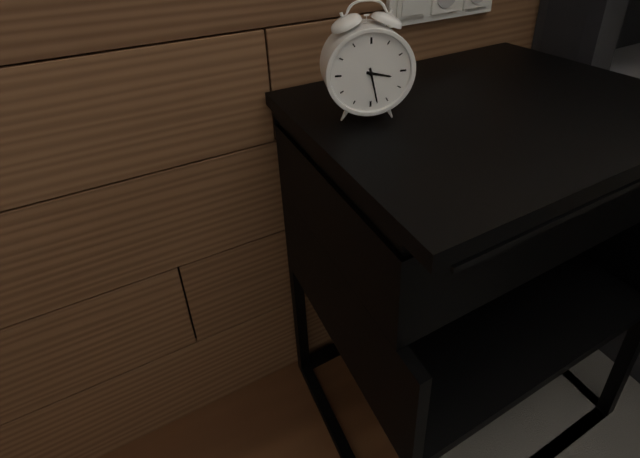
3:28
